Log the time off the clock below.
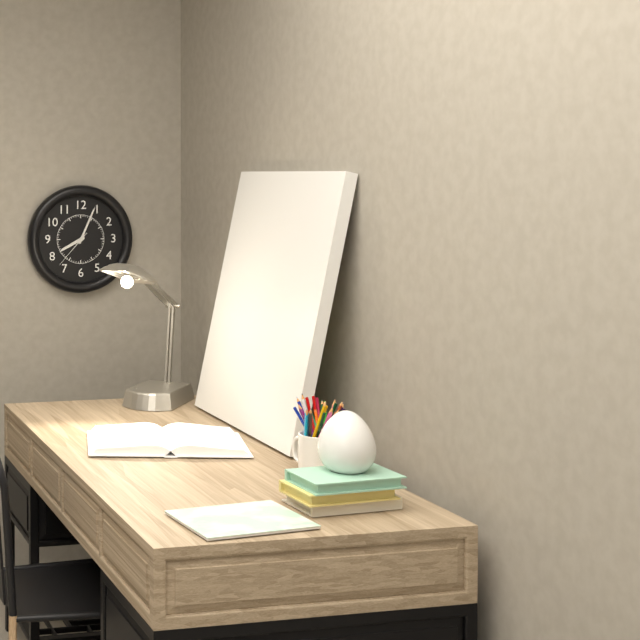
8:04
